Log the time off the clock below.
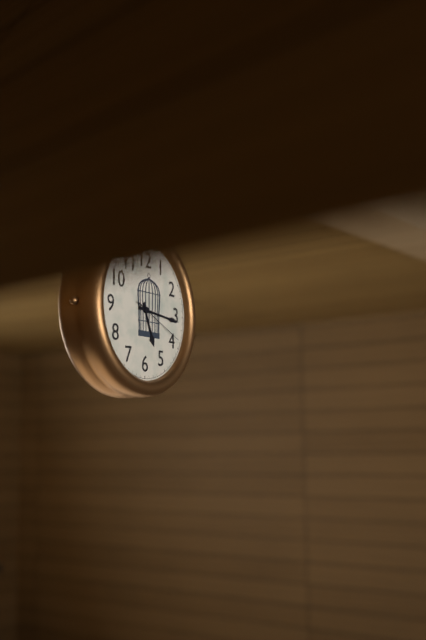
5:16:19
